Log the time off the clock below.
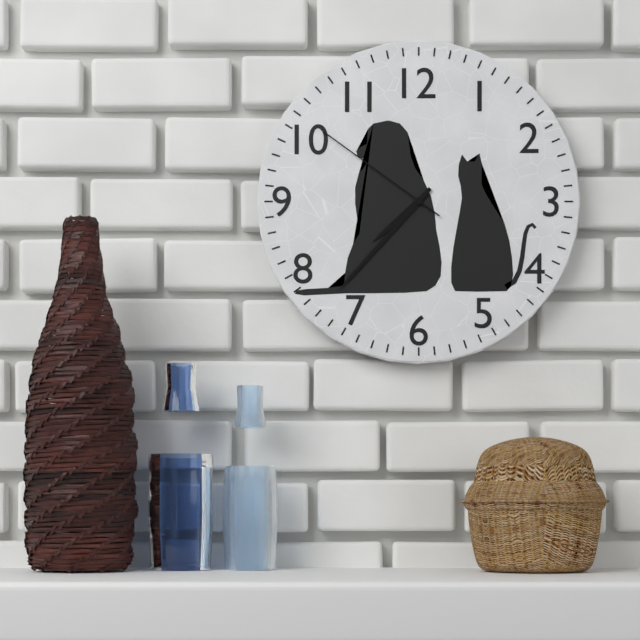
7:37:51
